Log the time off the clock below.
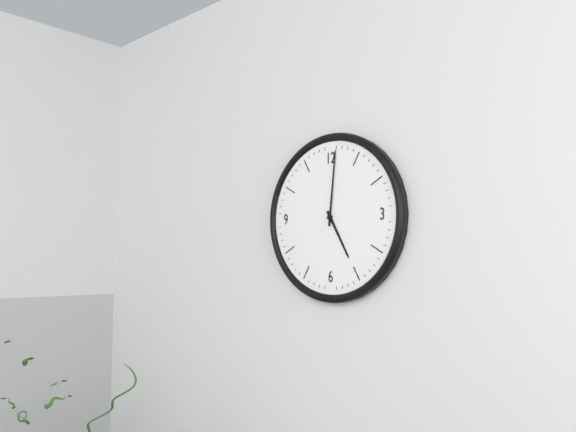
5:01
